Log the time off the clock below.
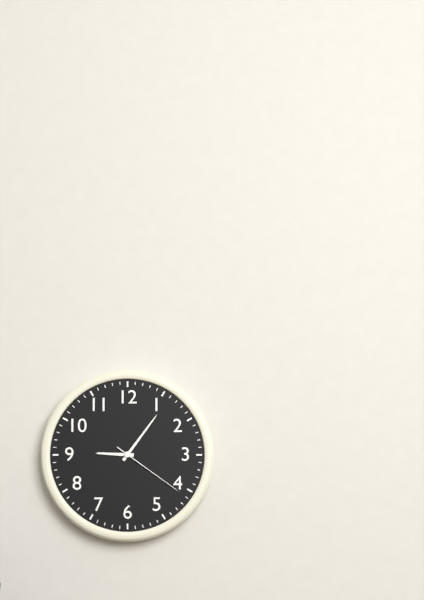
9:06:21
